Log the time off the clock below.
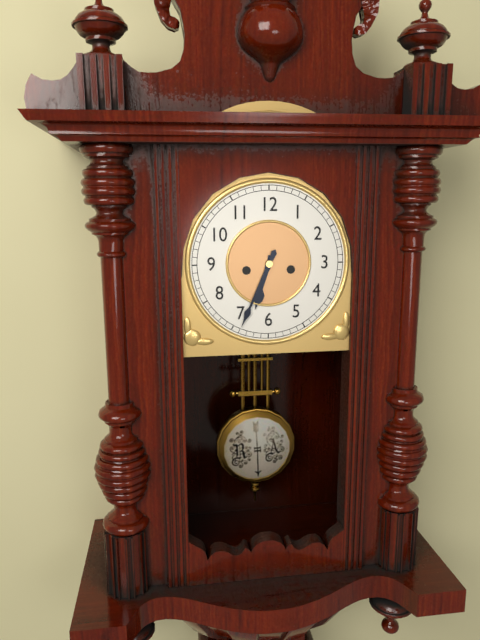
6:34
